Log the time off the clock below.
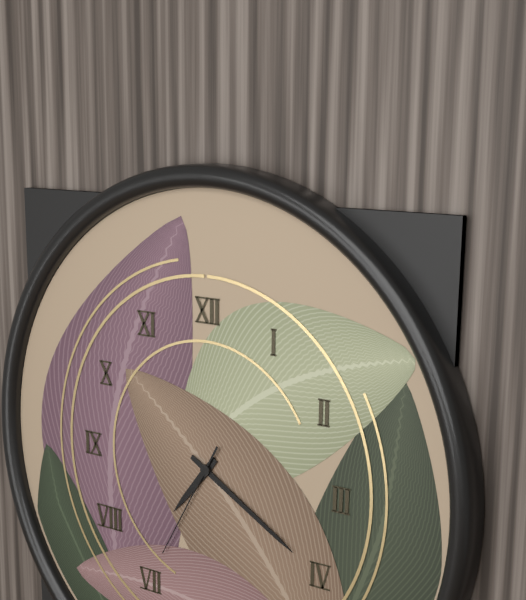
7:20:35
